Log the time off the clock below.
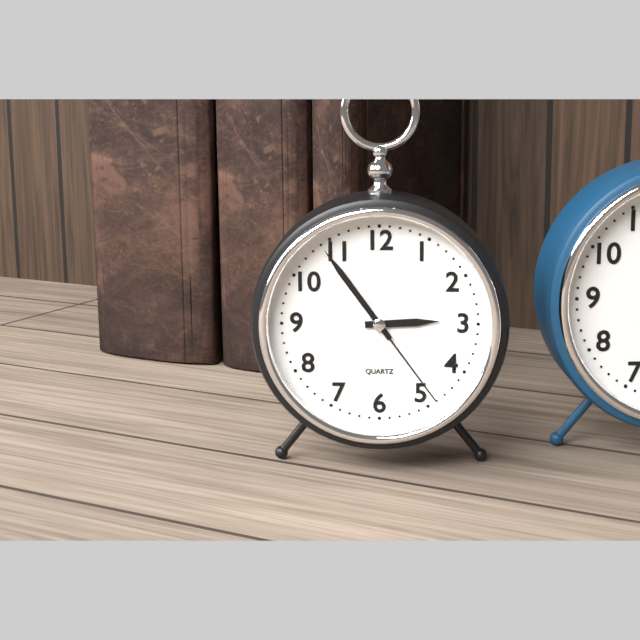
2:54:24
